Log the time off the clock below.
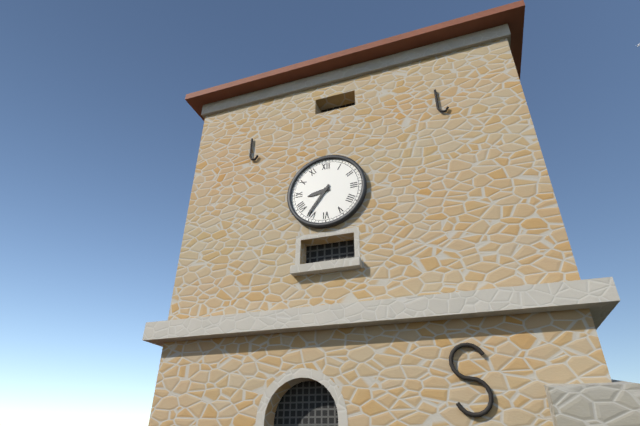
8:36
